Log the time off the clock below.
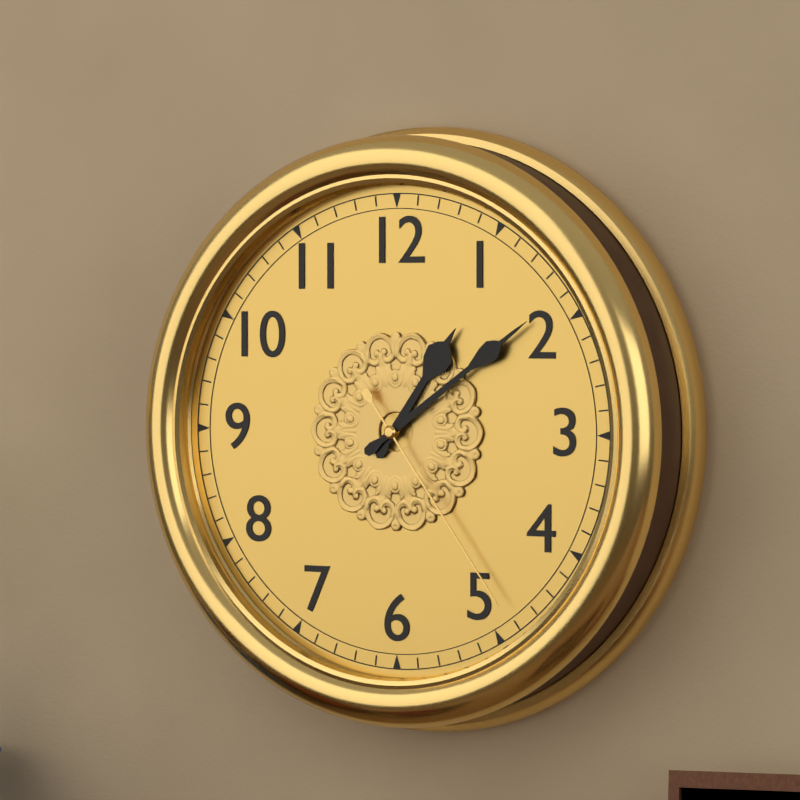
1:09:24
